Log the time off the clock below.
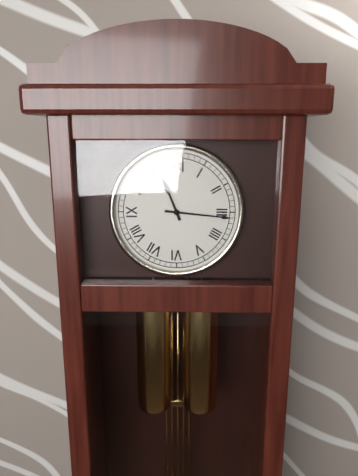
11:16
